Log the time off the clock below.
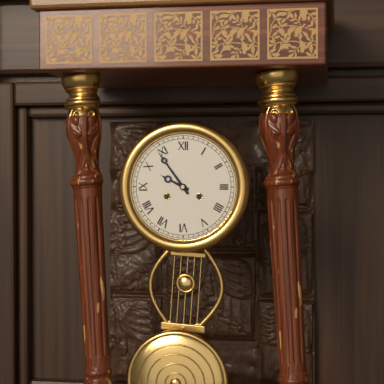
9:54
